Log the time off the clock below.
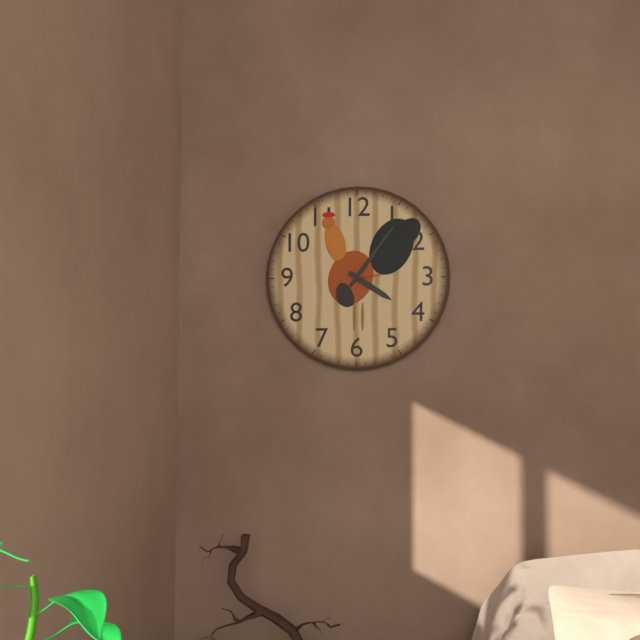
4:06
